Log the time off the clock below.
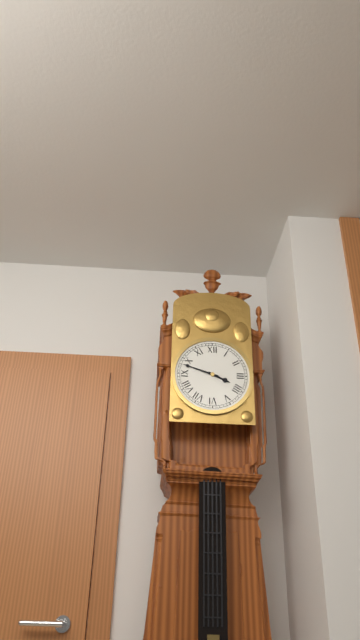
3:48
